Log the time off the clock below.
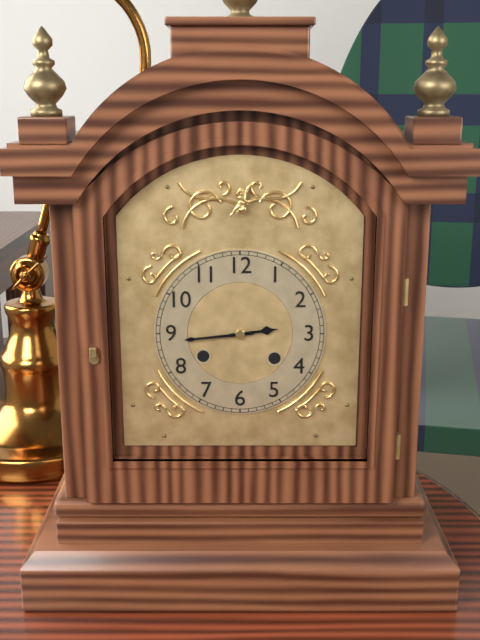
2:44
